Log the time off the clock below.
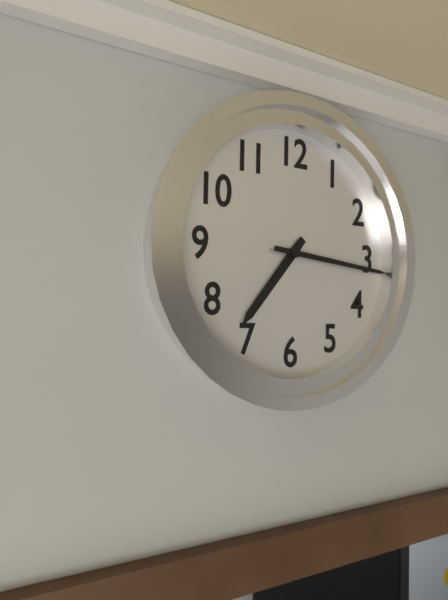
7:16
